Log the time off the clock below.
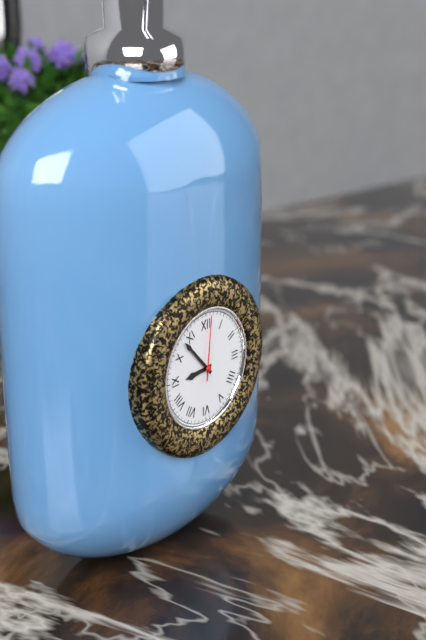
8:53:01
